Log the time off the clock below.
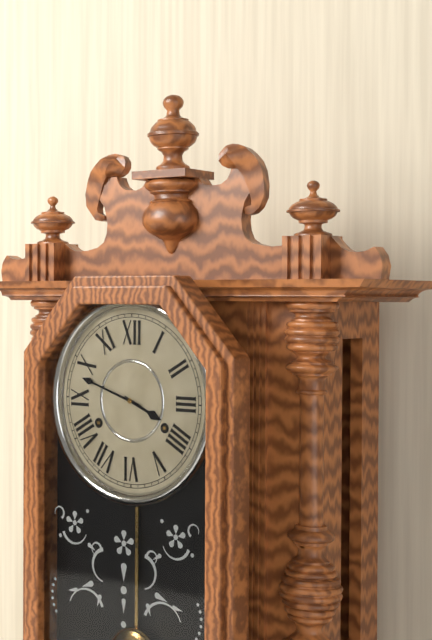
3:48
